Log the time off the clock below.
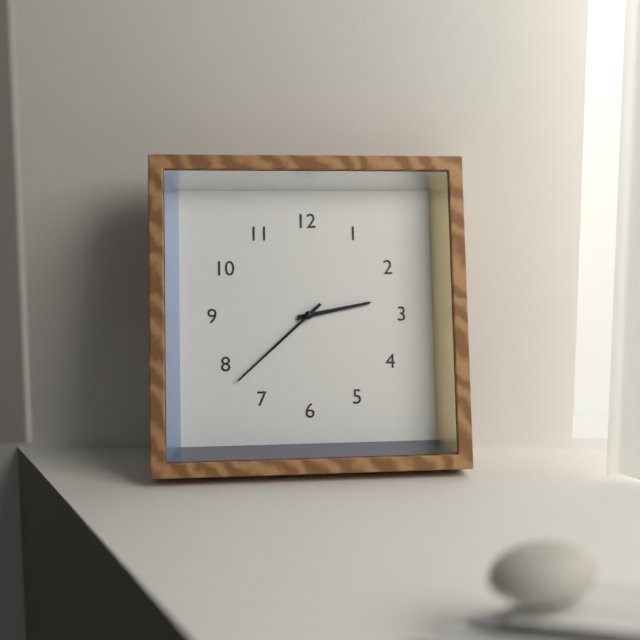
2:38
